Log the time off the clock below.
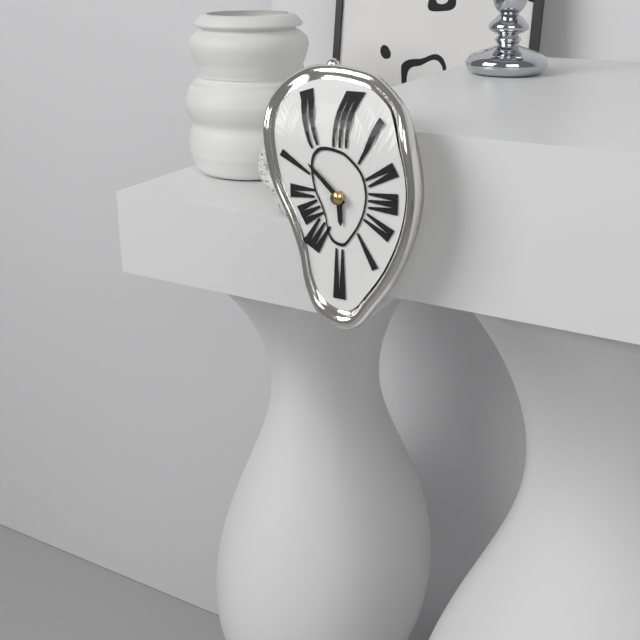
5:52
